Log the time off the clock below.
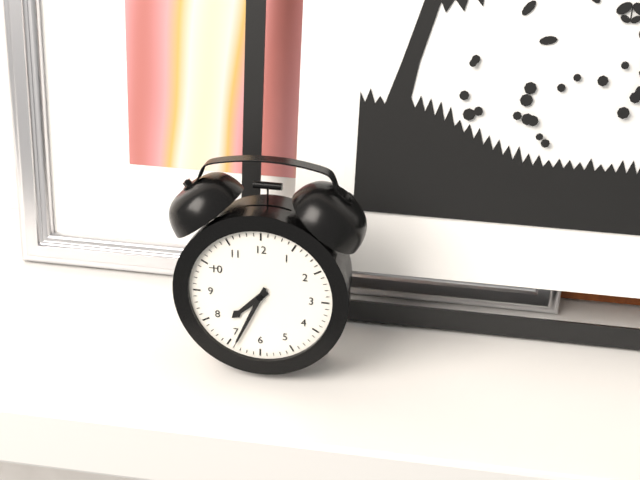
7:34
